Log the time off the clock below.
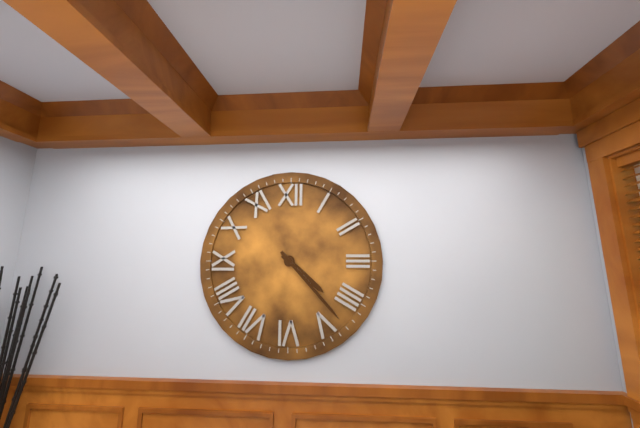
4:23
